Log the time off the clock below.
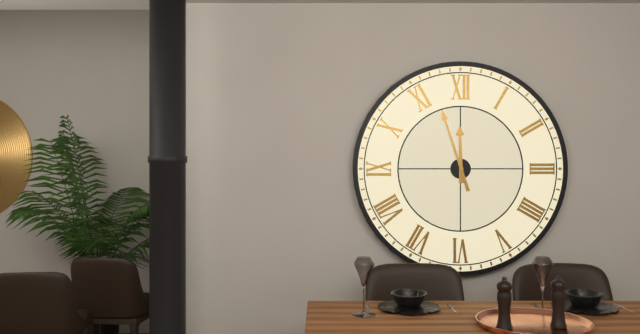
11:57
